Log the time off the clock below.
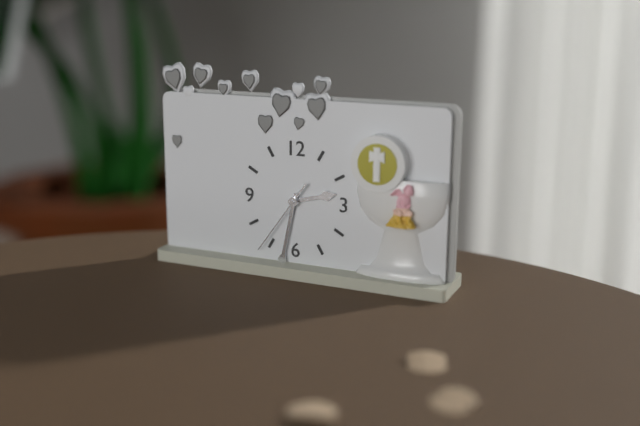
2:32:36
